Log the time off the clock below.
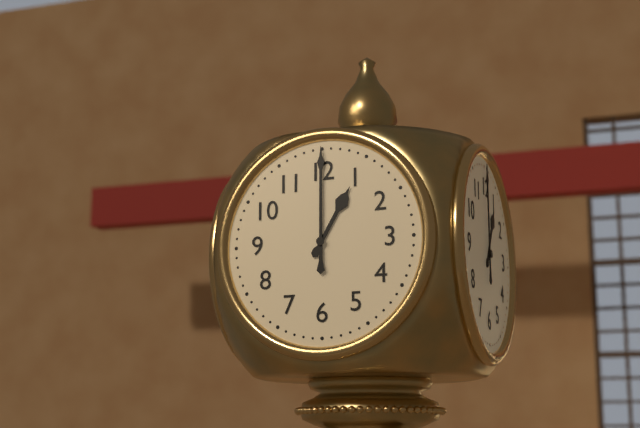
1:00
